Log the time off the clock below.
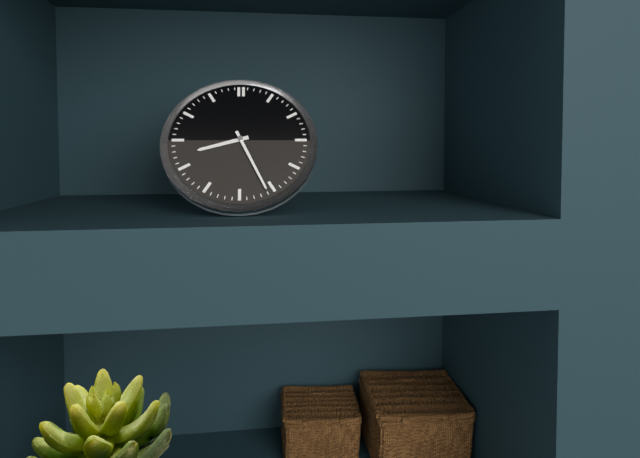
8:26
